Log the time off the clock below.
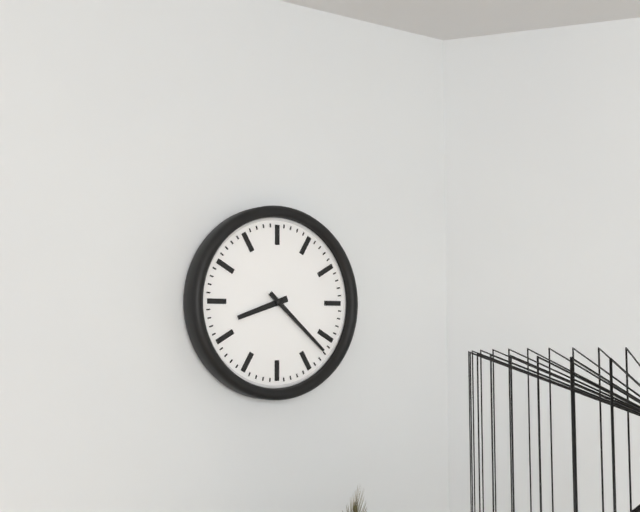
8:22
